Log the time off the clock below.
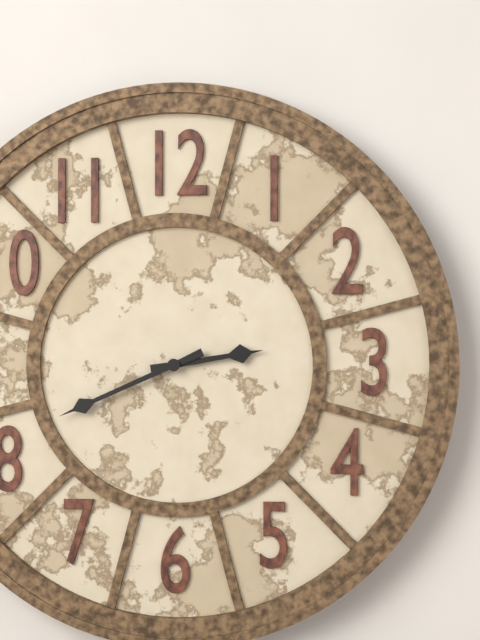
2:41
